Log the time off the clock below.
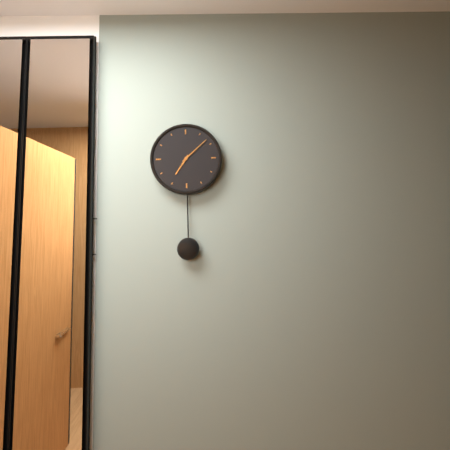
7:08
